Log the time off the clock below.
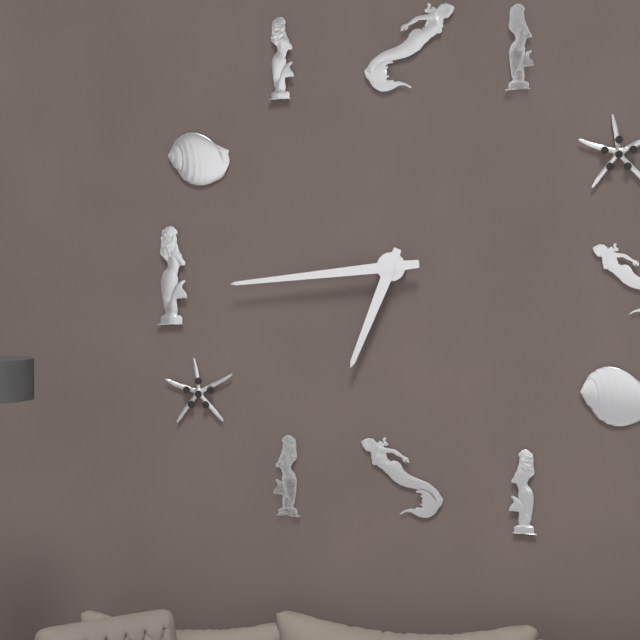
6:44
